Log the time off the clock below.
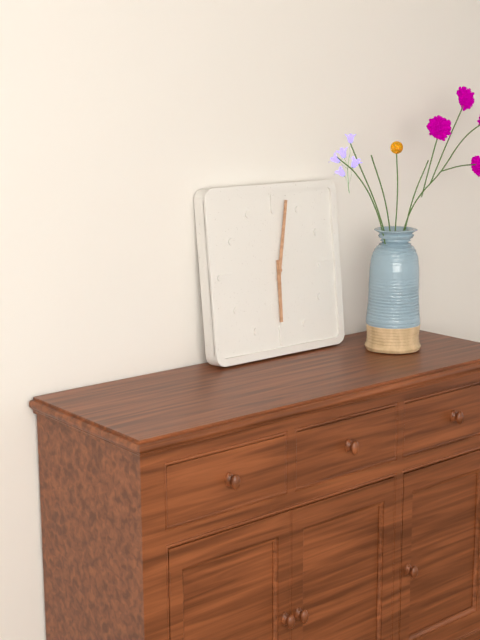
6:02
